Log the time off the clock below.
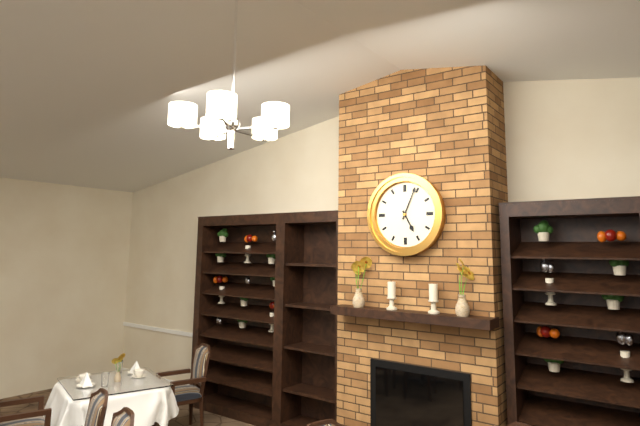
5:04
